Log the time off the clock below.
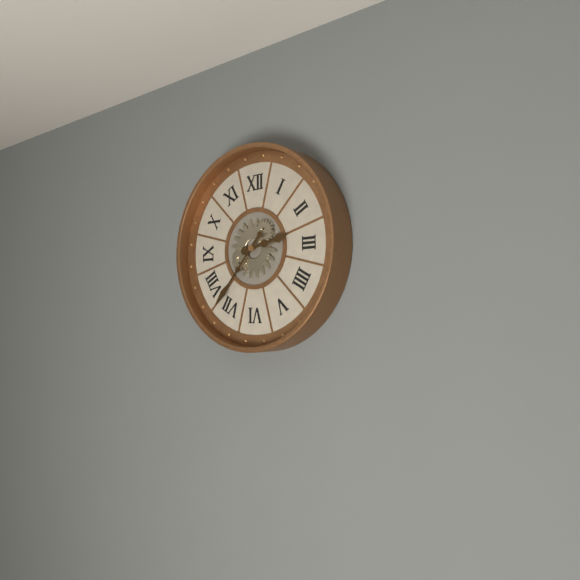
2:37
